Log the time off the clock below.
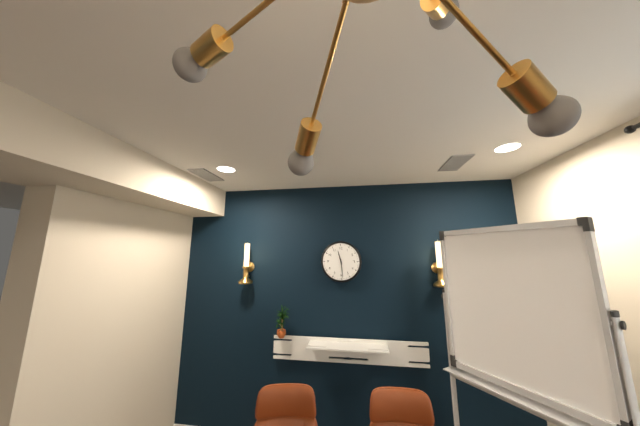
11:29
